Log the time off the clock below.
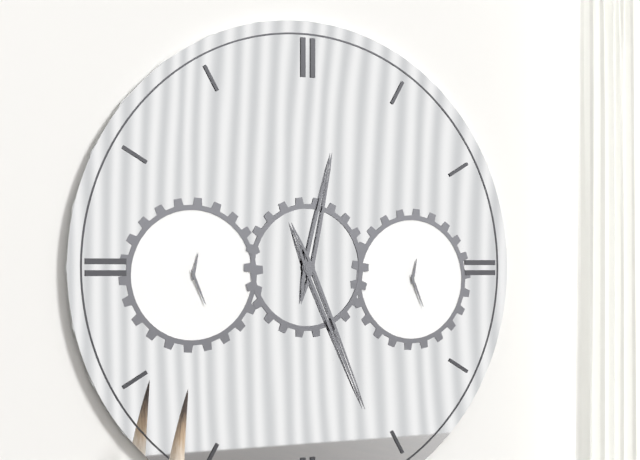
12:26
